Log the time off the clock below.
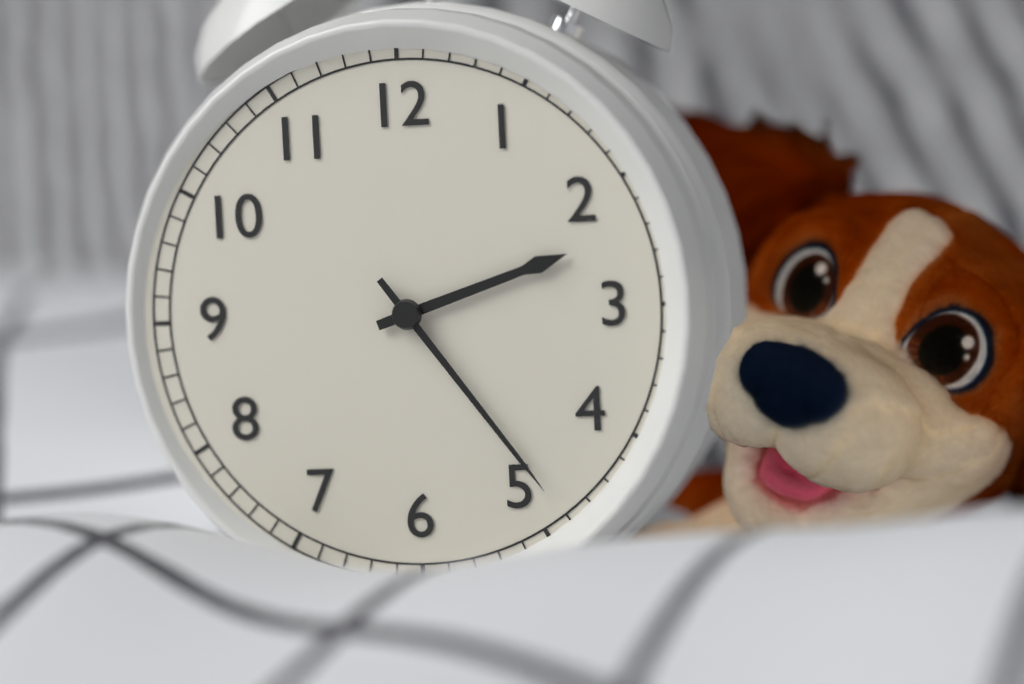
2:24
